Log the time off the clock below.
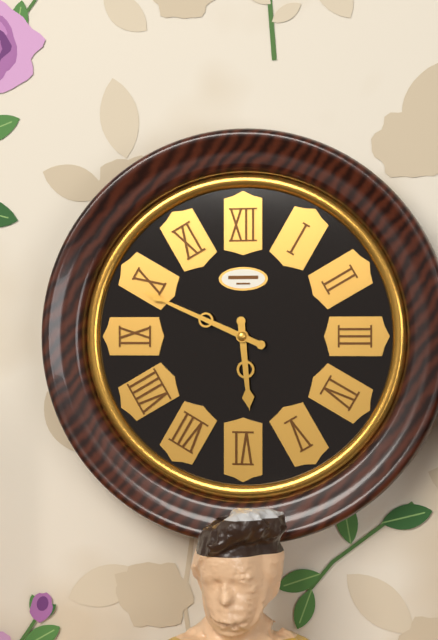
5:49
